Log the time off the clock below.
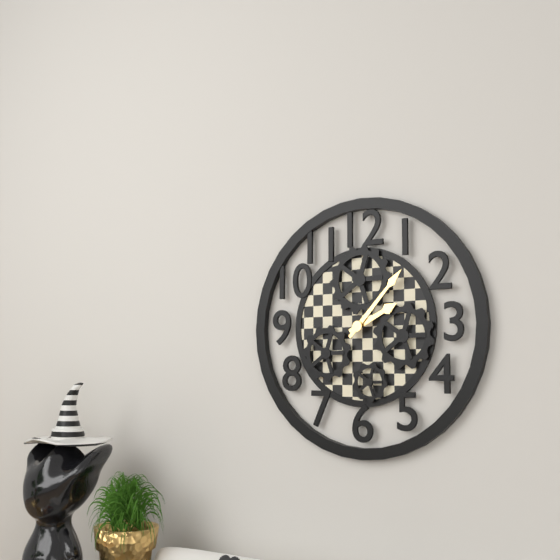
2:07
